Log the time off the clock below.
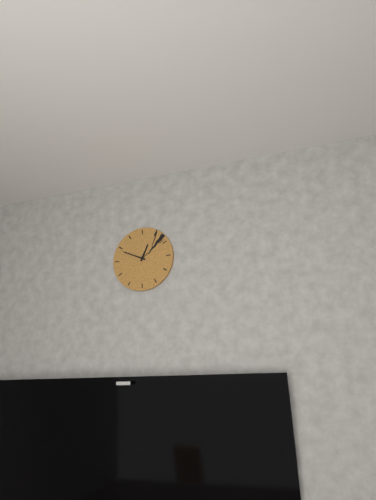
12:49
